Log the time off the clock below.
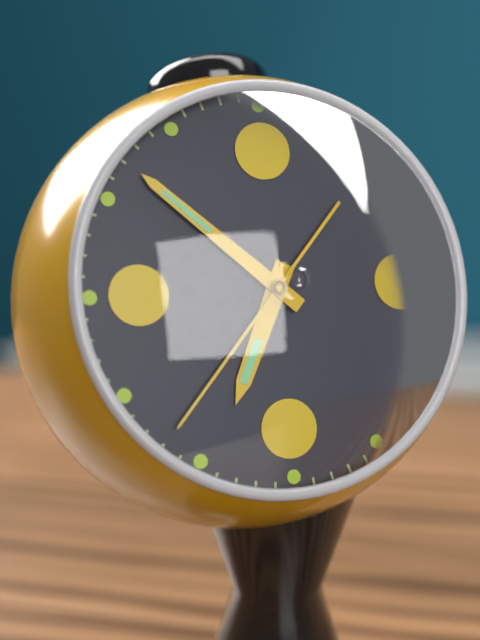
6:52:37
